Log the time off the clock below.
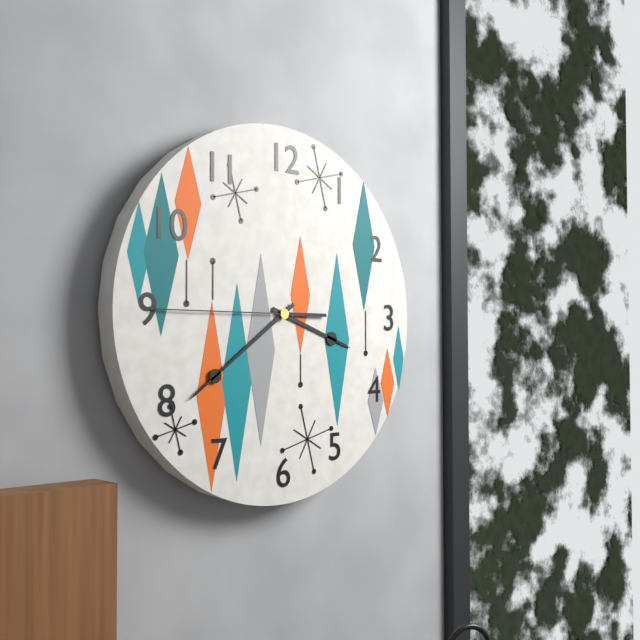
3:39:45
